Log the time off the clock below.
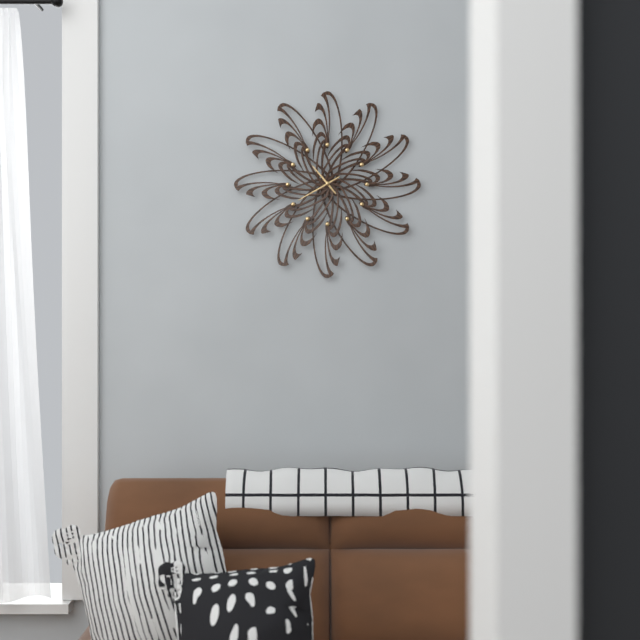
10:40
